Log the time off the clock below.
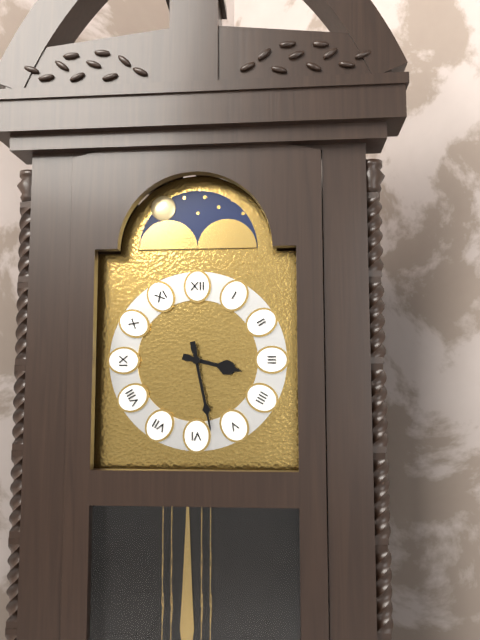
3:28
